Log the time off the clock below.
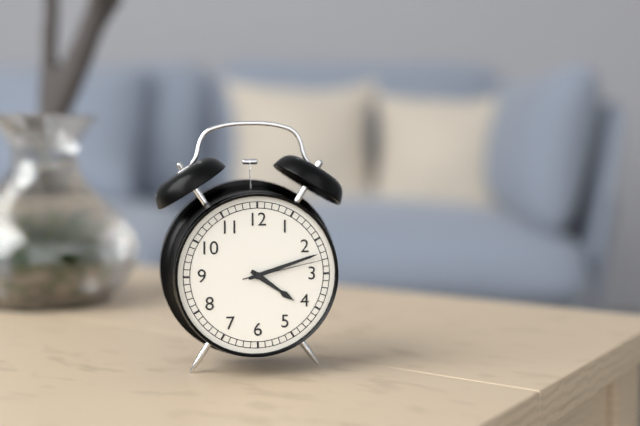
4:12:13
